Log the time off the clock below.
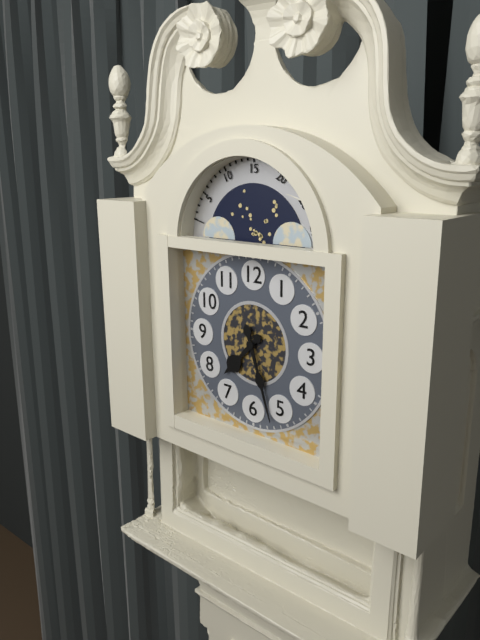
7:27
